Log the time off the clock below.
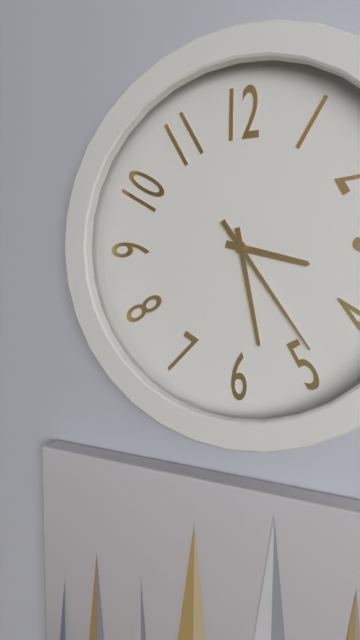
3:28:24
